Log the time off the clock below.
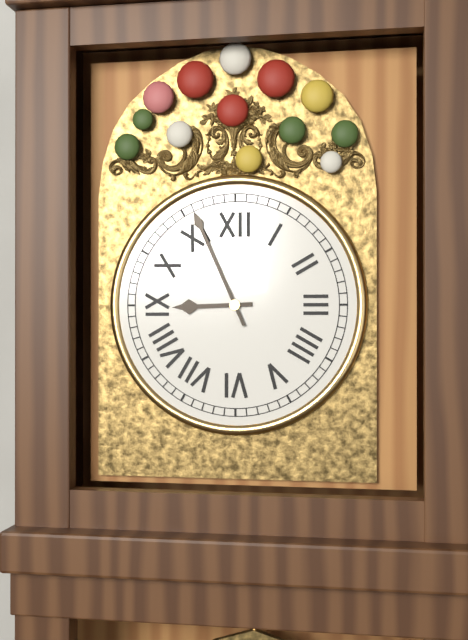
8:56
